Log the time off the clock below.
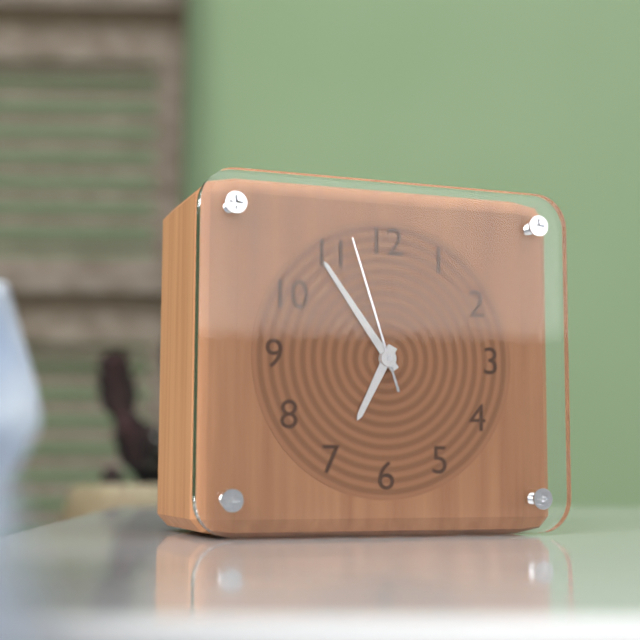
6:54:57
